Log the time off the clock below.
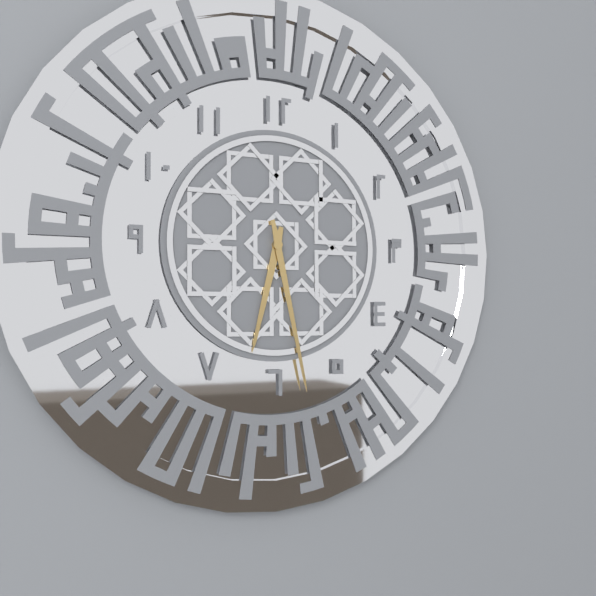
6:28
